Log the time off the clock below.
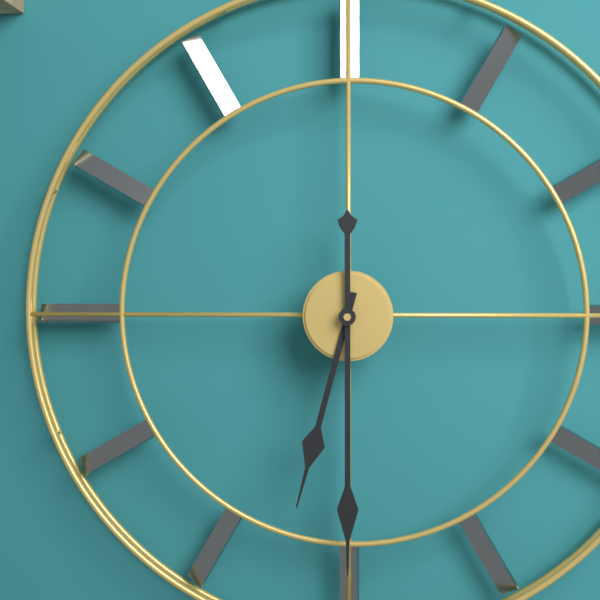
6:30
